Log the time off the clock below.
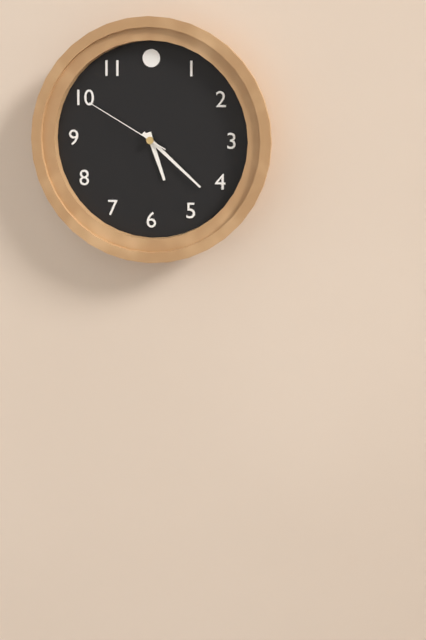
5:22:50
